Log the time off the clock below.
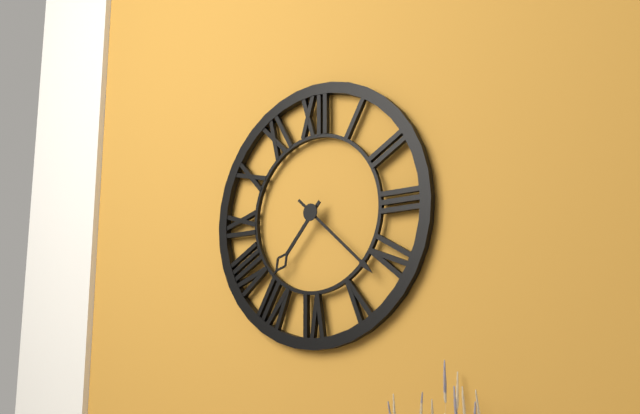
7:22
